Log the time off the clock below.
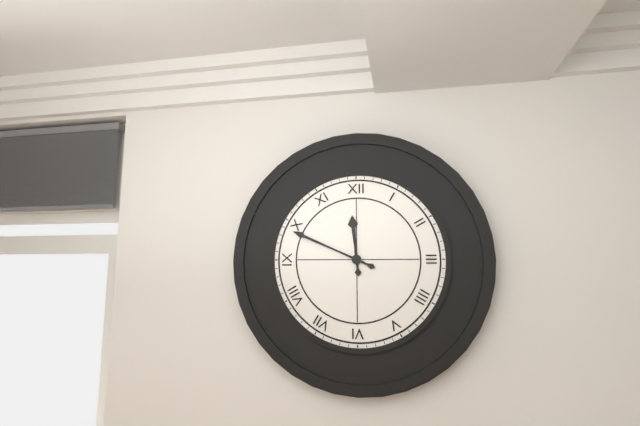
11:49
